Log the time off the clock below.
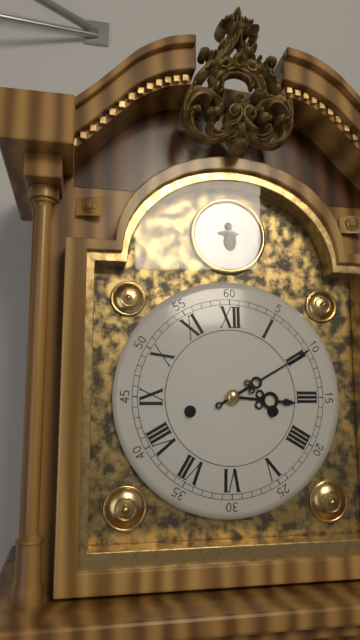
3:10
